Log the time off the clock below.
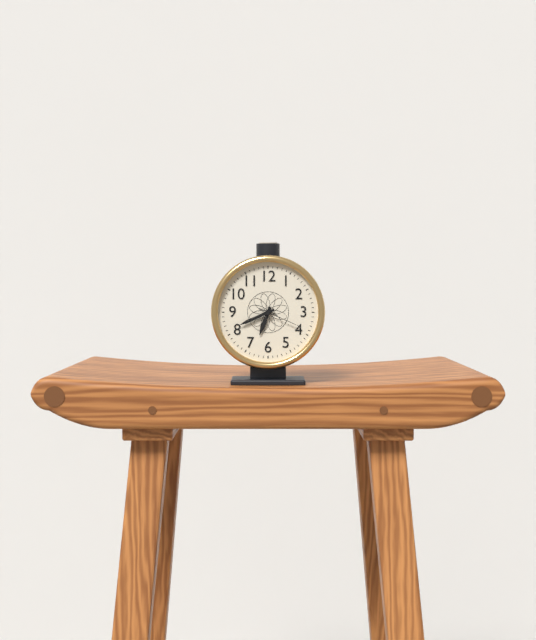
6:41
